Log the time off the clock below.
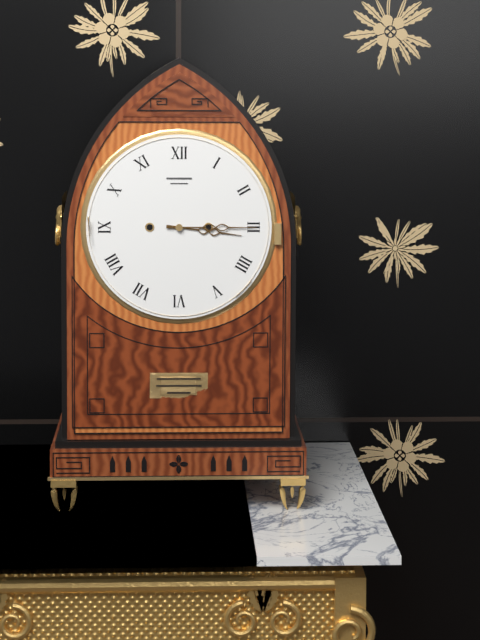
3:15
